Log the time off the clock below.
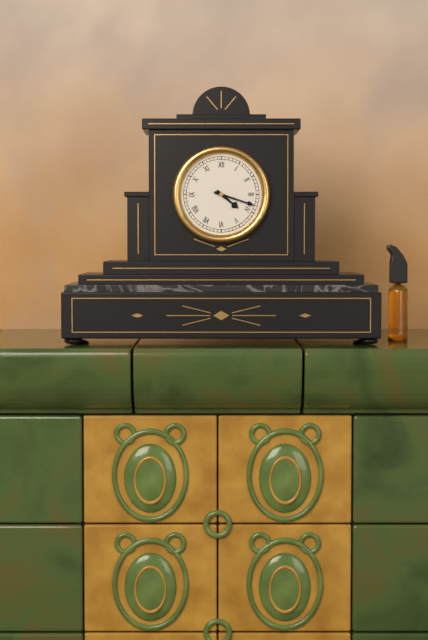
4:18
